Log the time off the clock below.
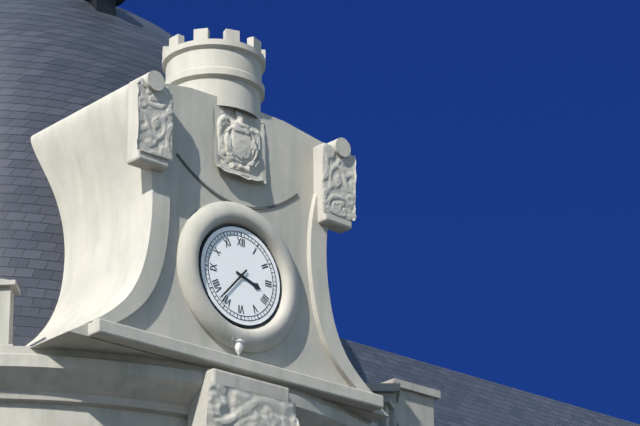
3:37
